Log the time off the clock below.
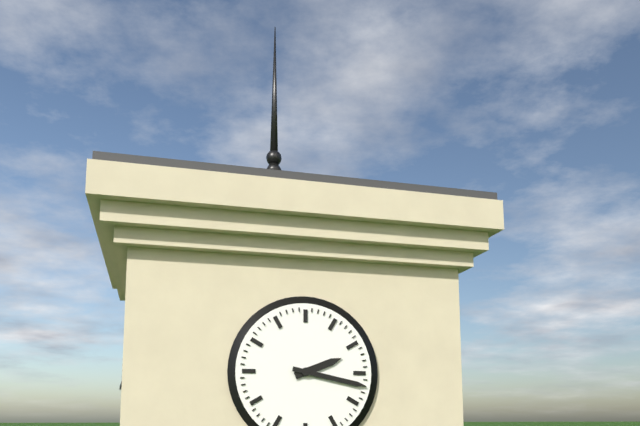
2:17
